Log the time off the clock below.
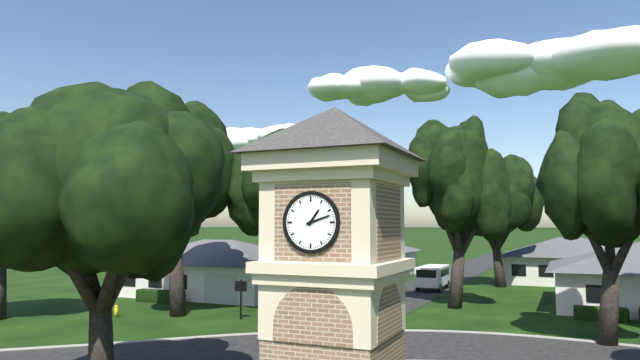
1:12
